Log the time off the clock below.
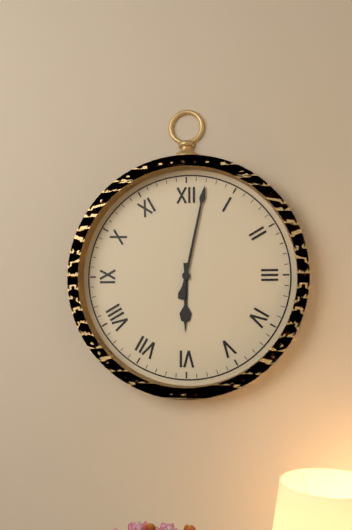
6:02
